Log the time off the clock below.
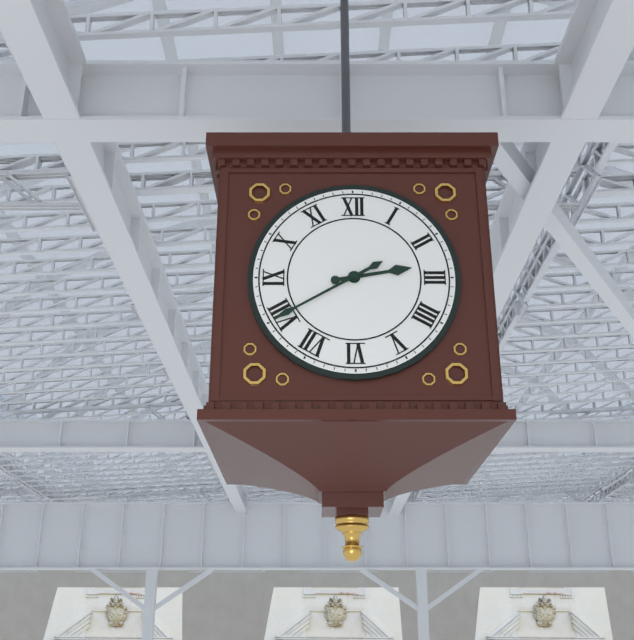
2:40
